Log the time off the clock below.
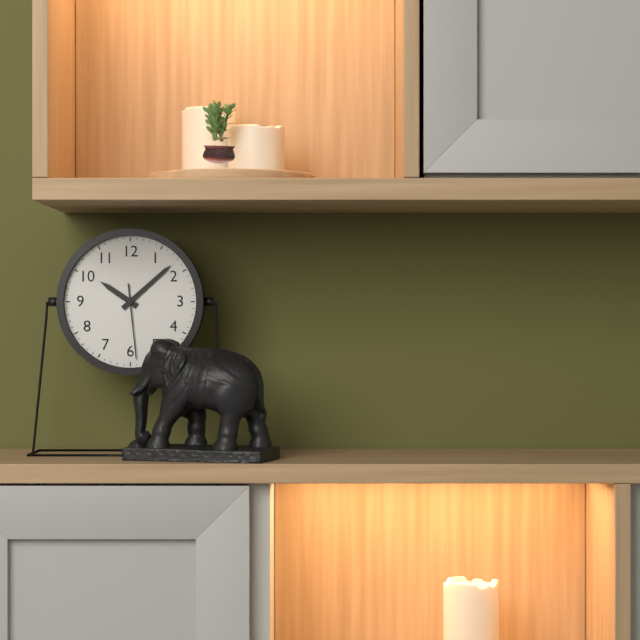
10:08:29
